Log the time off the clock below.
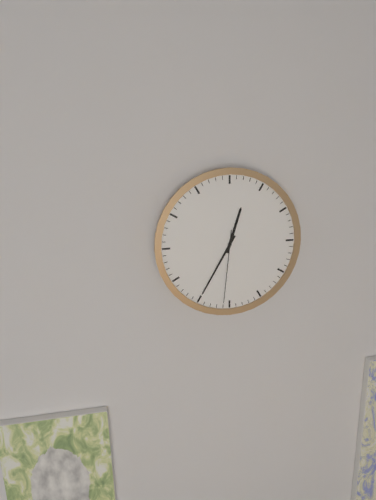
12:35:31
